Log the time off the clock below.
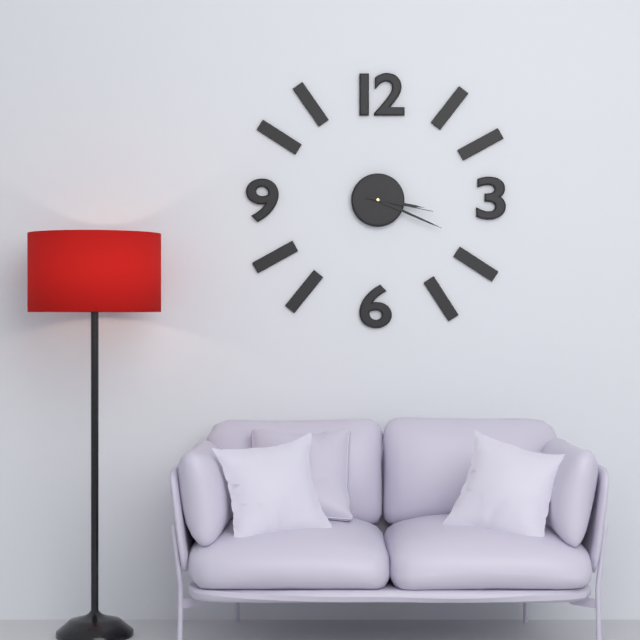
3:19:17
